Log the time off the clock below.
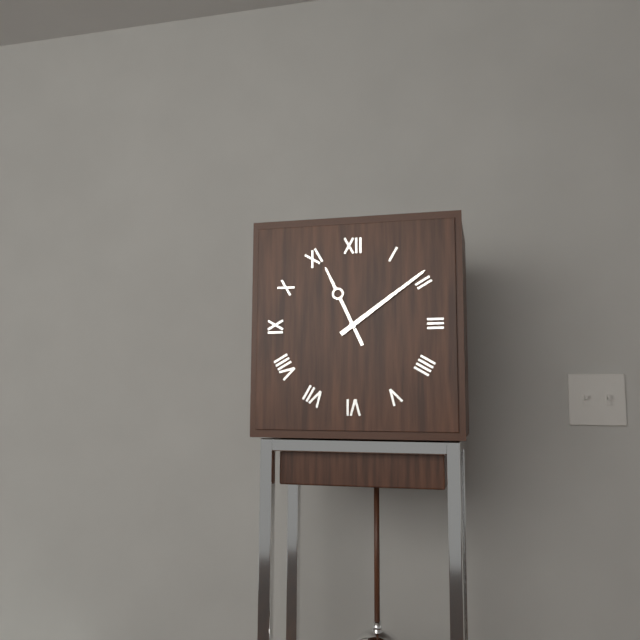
11:09
